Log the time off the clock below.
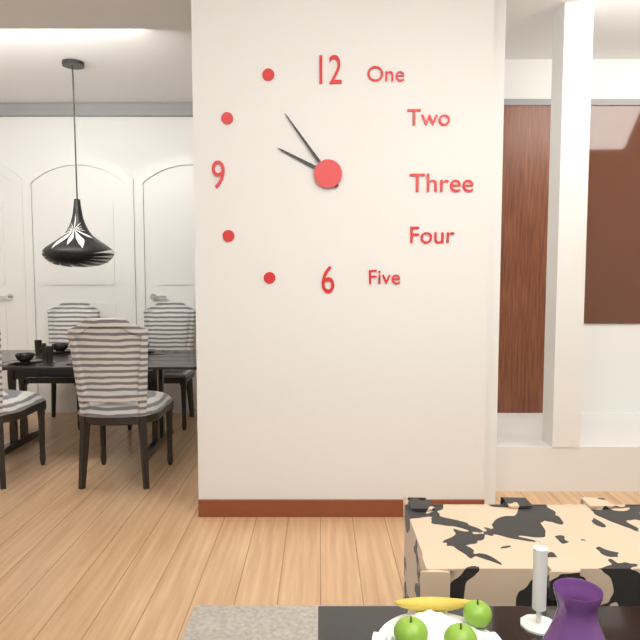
9:54
